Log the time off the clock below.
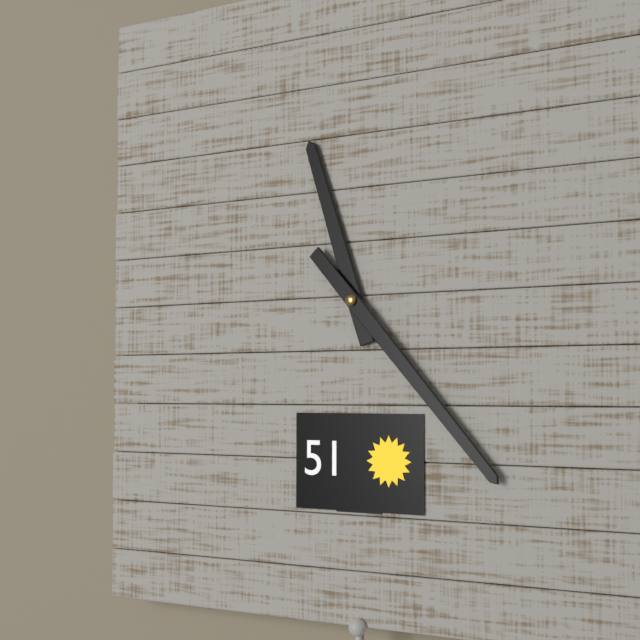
11:23
